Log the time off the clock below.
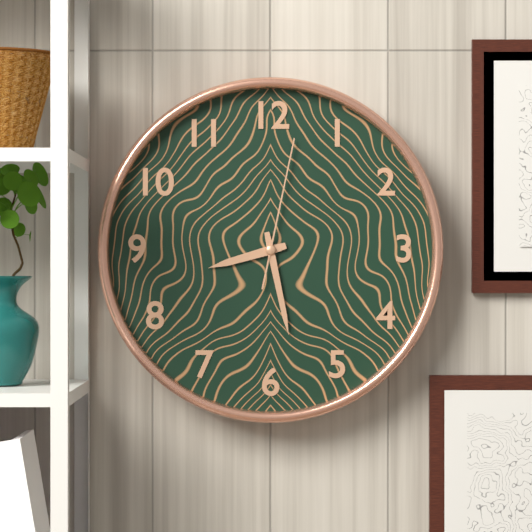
8:28:02
